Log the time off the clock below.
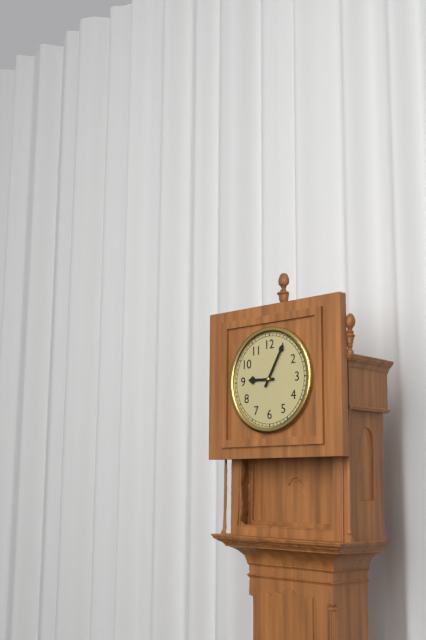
9:05
